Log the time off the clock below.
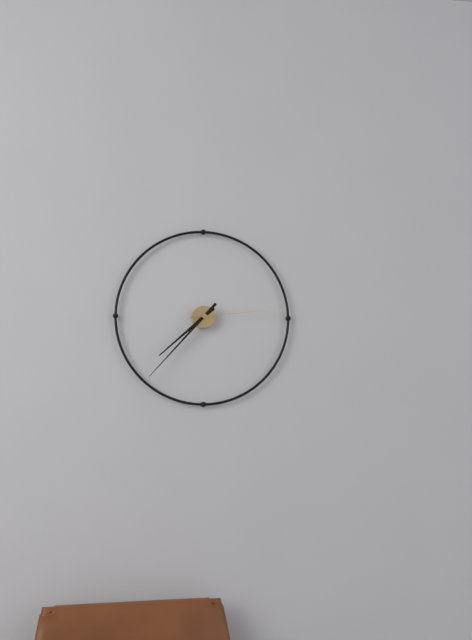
7:37:14
